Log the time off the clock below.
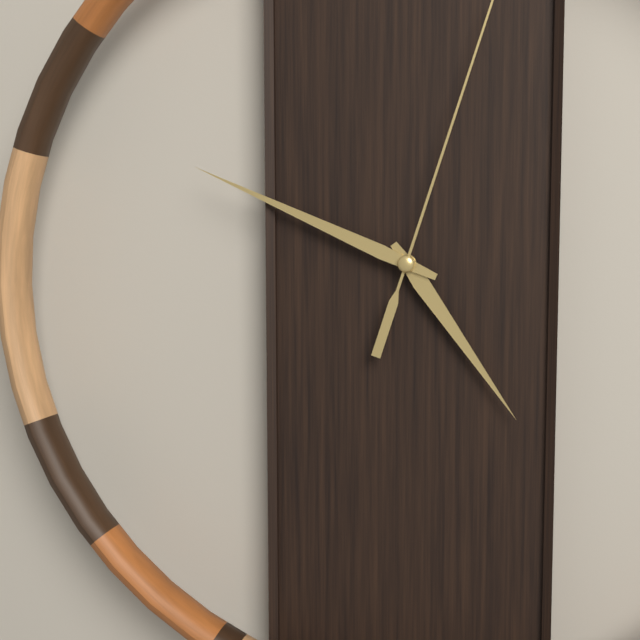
4:49
